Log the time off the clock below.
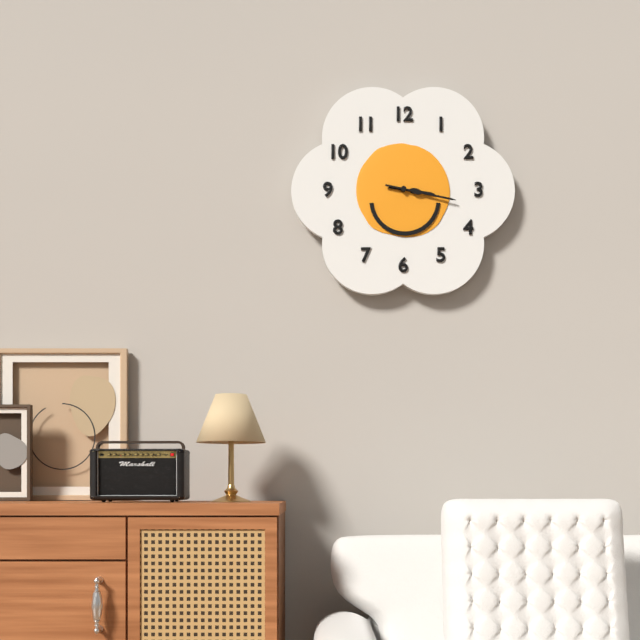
3:17
